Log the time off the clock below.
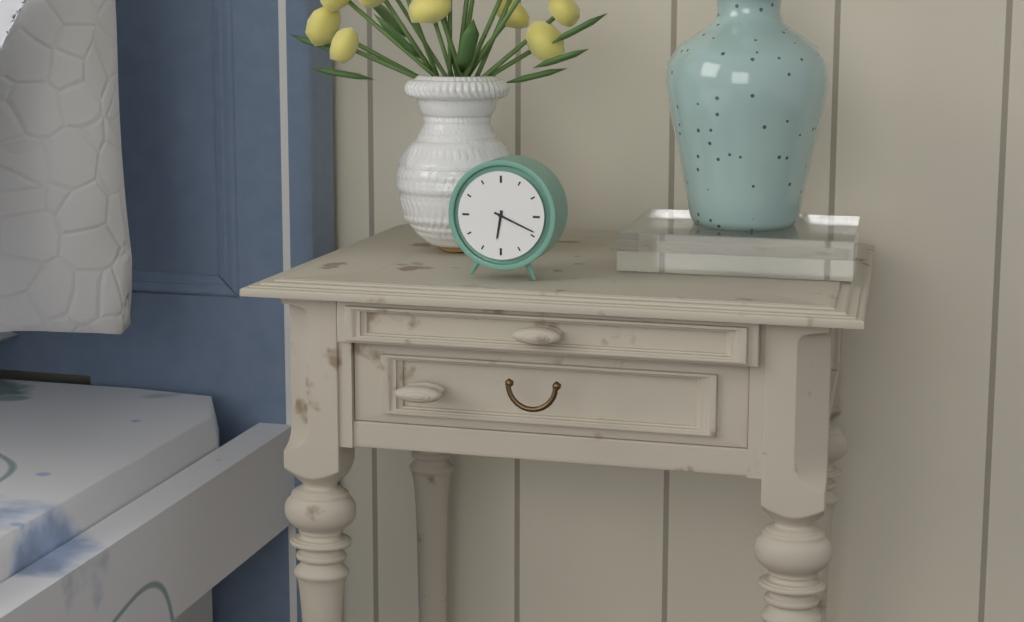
6:19
